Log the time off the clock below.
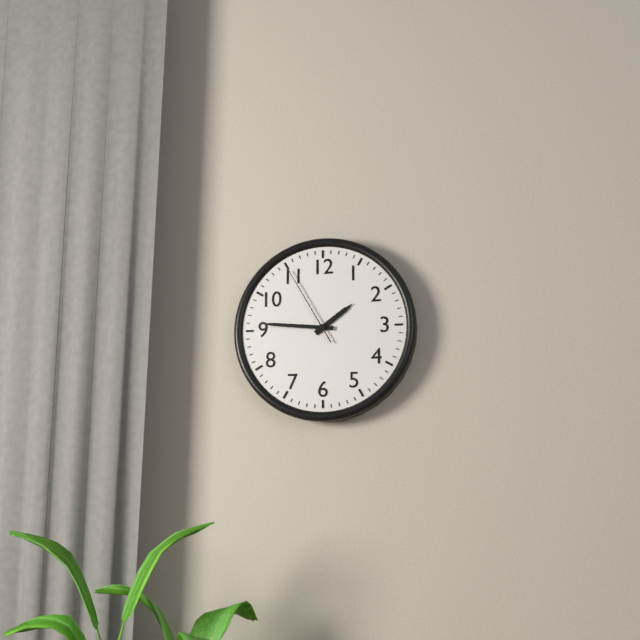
1:46:55
